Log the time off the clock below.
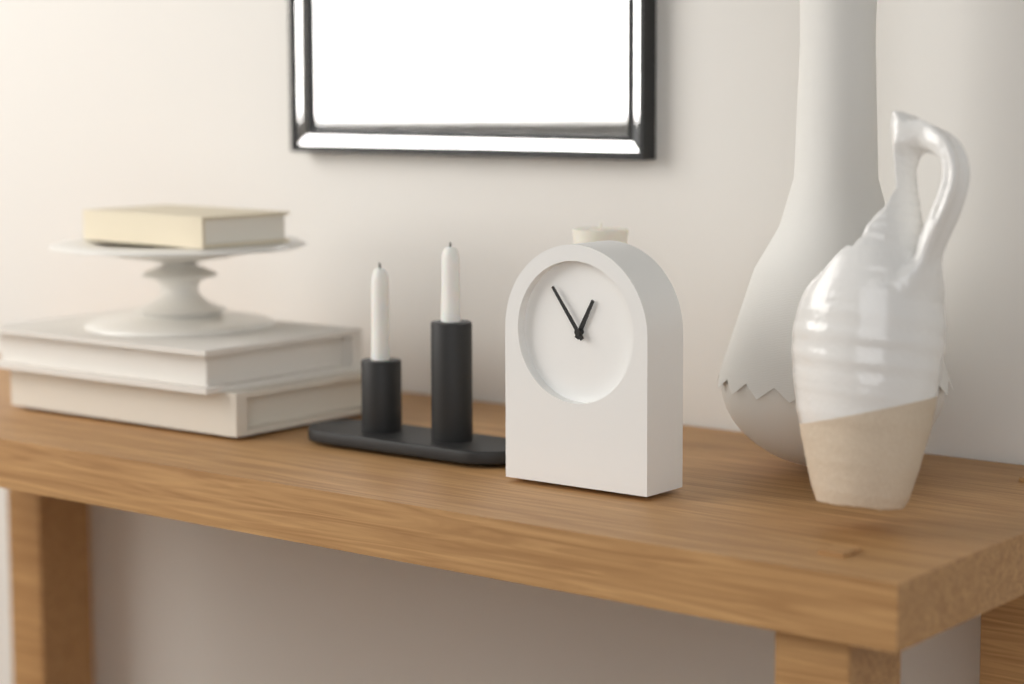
12:54
